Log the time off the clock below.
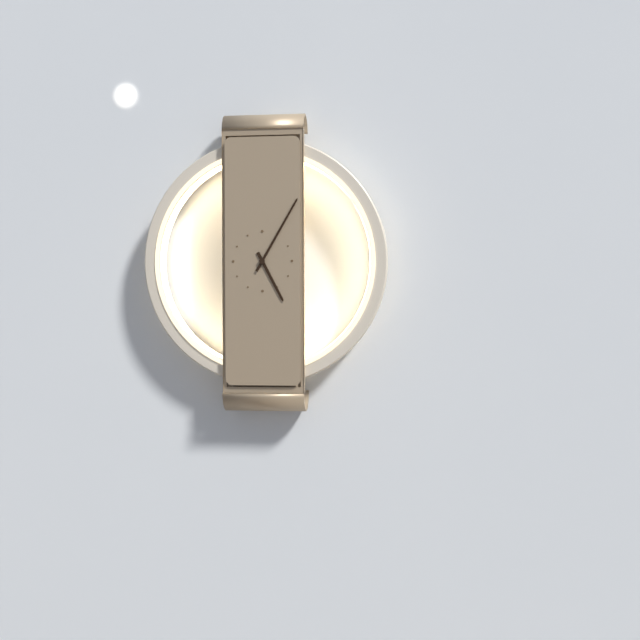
5:05
